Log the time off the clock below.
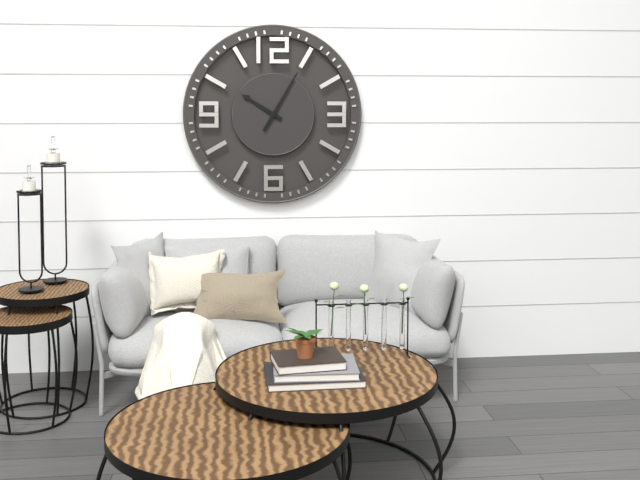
10:05
